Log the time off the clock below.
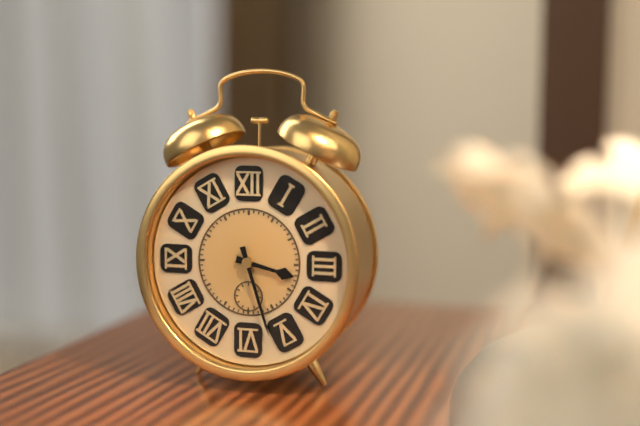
3:27
